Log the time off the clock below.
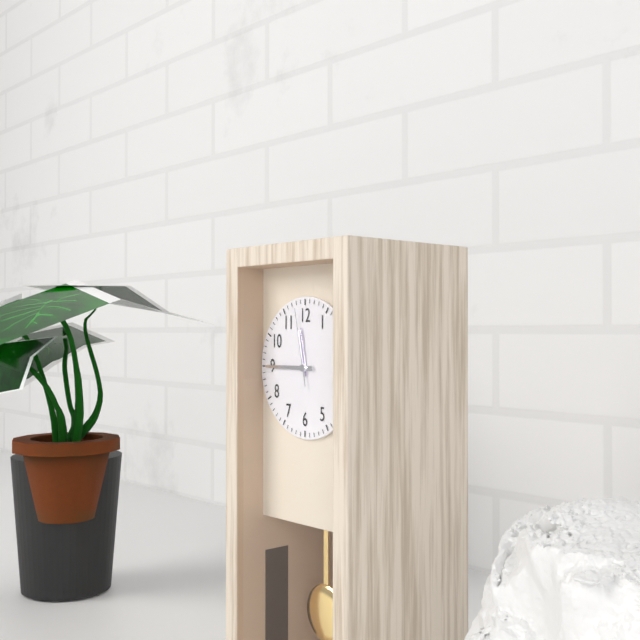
11:45:58
